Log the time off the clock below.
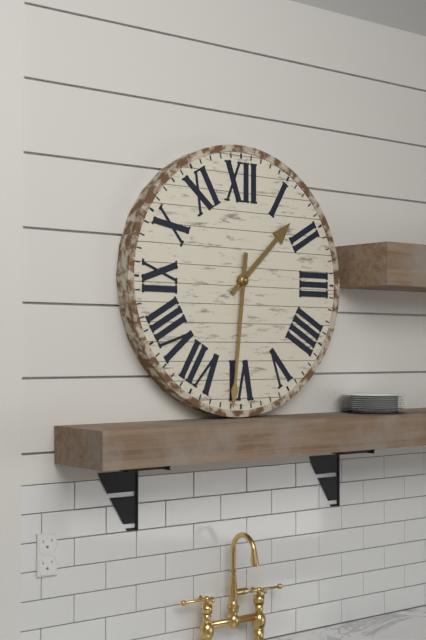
1:31
